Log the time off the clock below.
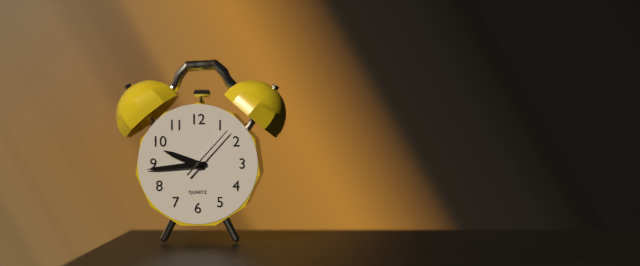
9:44:07
